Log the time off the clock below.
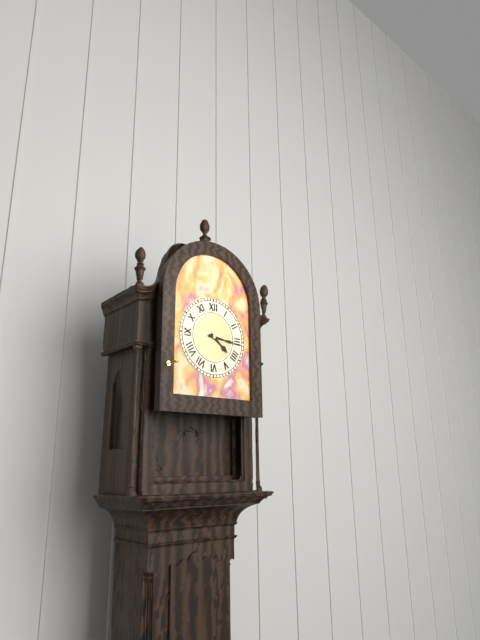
4:16
